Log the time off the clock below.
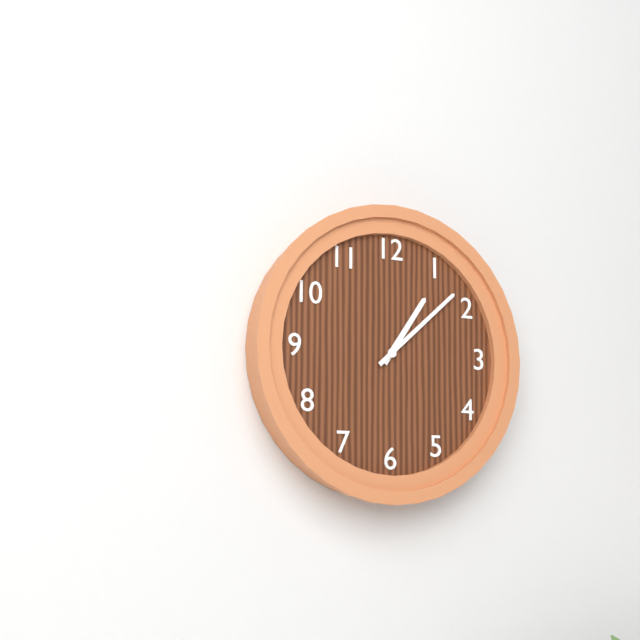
1:08
